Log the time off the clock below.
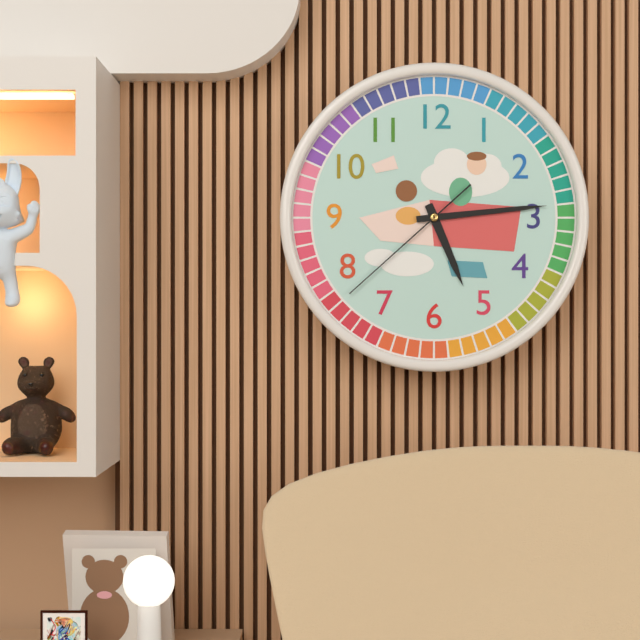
5:14:38
